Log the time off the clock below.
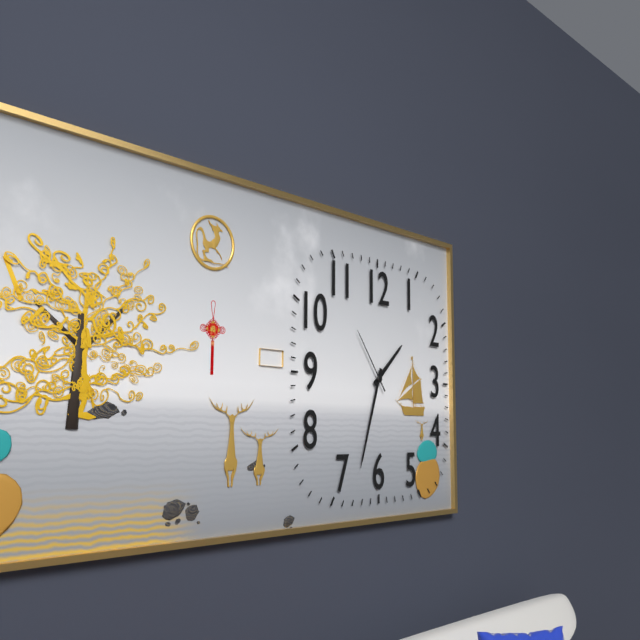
1:33:54
